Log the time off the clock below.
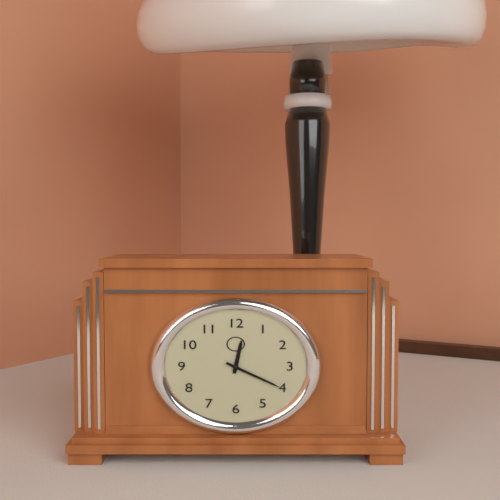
12:20
